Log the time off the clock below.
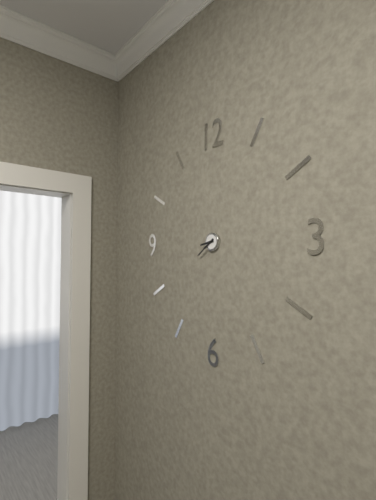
8:39
